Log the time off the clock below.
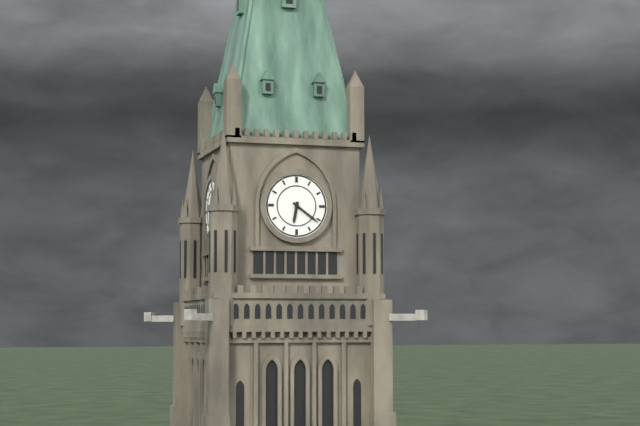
6:21
